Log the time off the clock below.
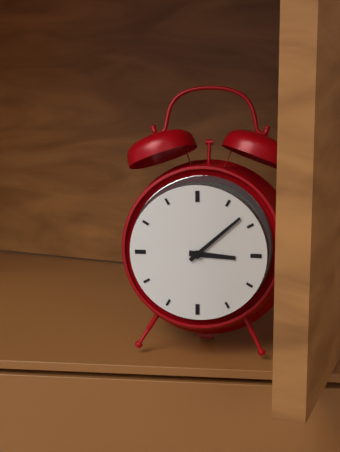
3:08
